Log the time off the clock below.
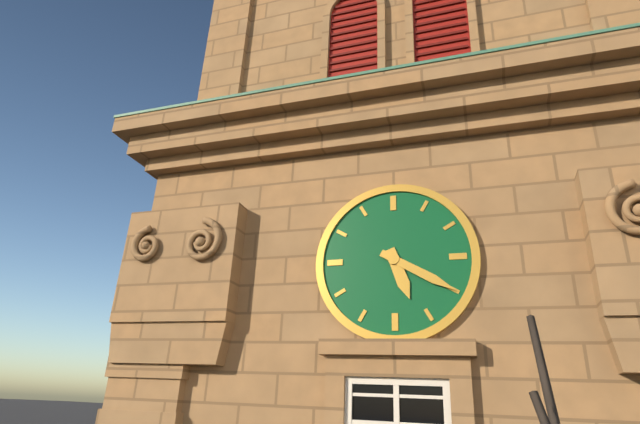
5:20
